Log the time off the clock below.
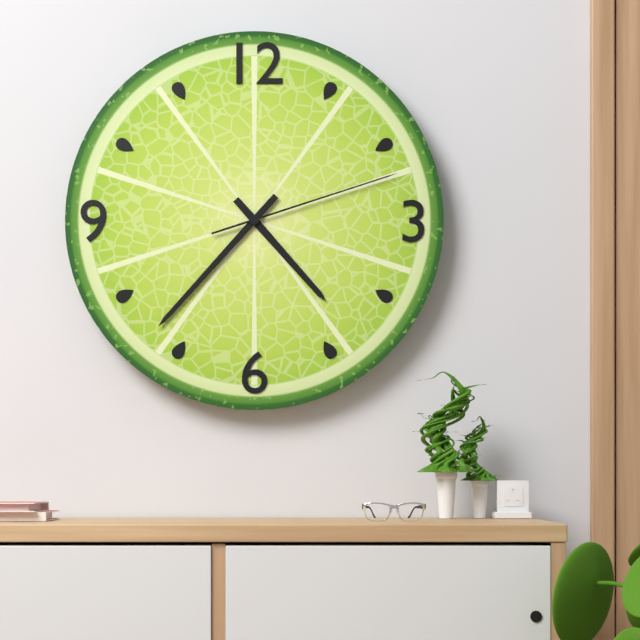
4:37:12
